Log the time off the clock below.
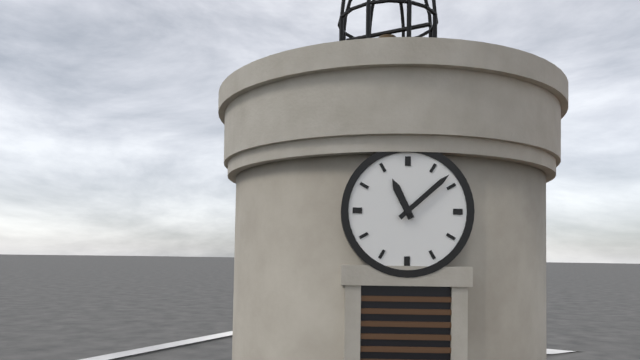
11:08
